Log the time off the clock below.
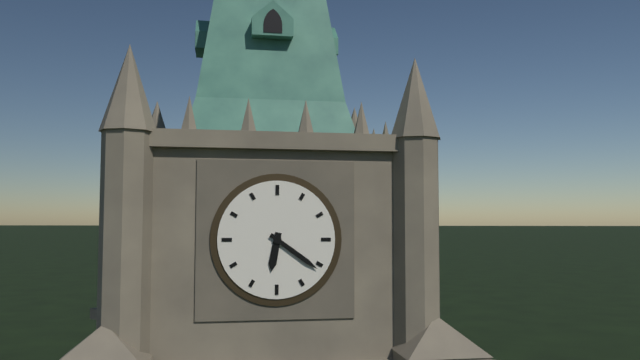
6:21
